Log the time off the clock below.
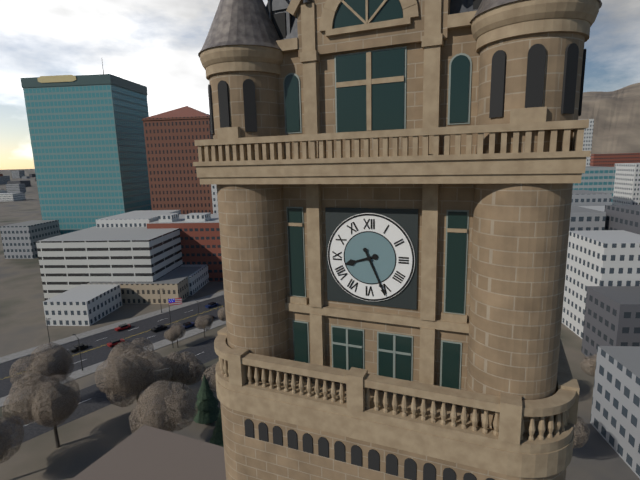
8:26
